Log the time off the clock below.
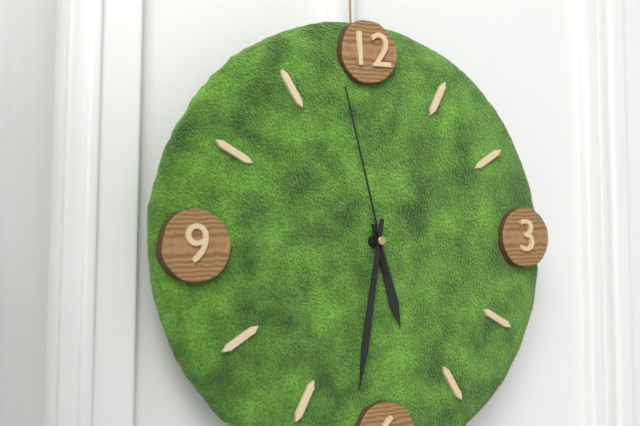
5:32:58
